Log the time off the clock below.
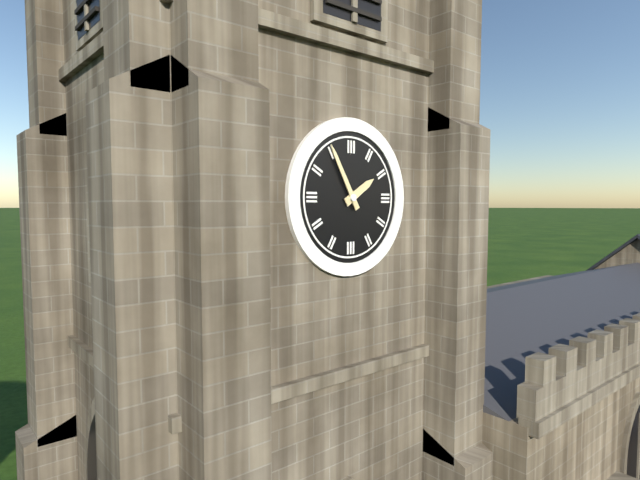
1:55
